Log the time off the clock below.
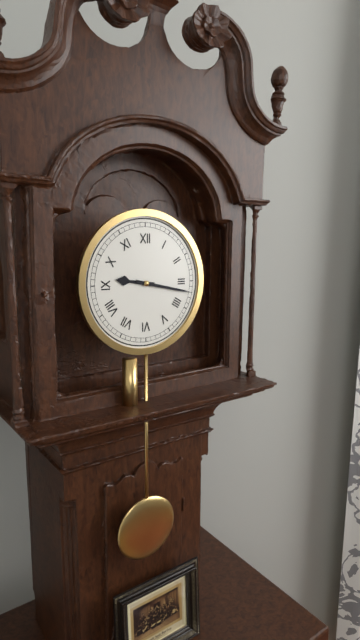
9:17
